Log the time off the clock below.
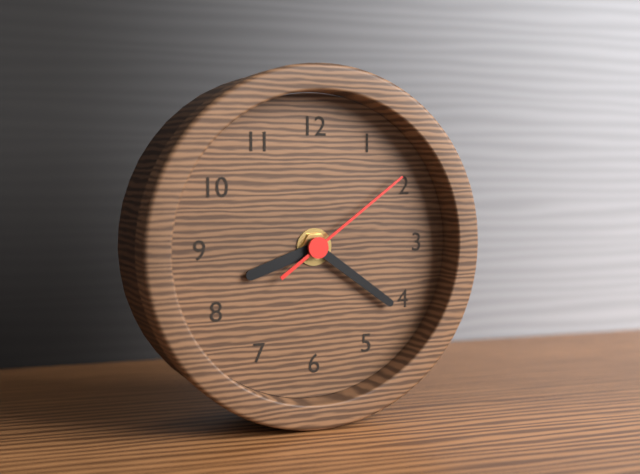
8:21:09
